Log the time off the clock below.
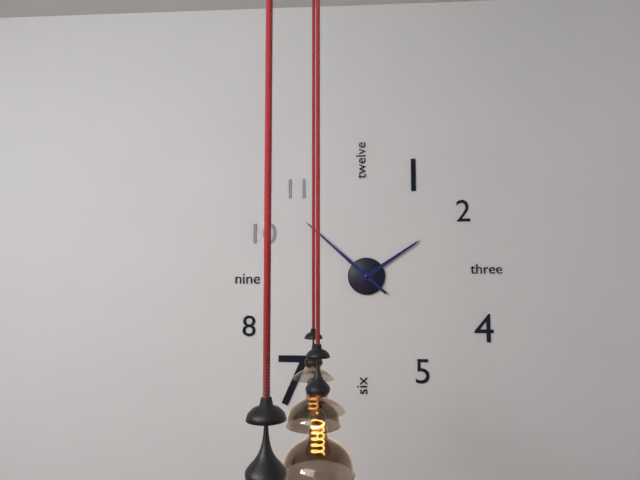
1:52
